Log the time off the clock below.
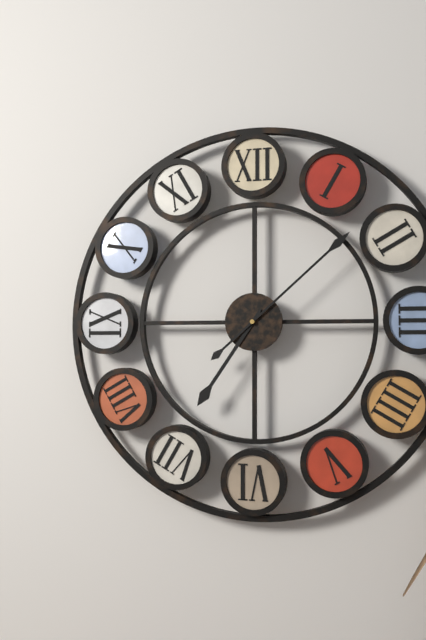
7:08
